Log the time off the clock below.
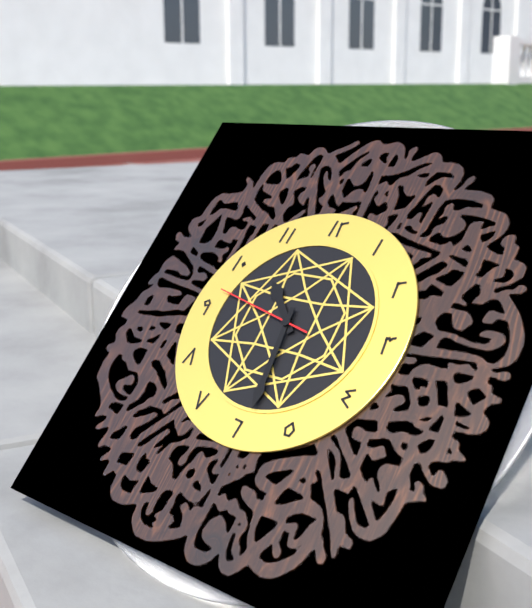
10:29:47
